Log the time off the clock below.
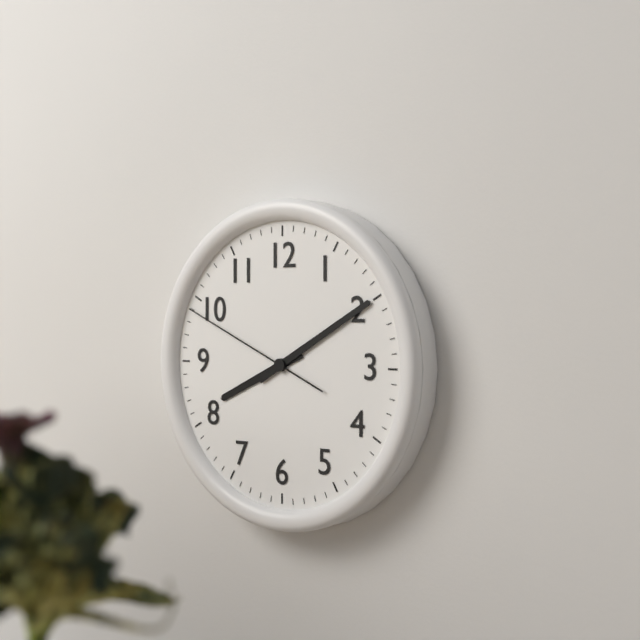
8:10:49
